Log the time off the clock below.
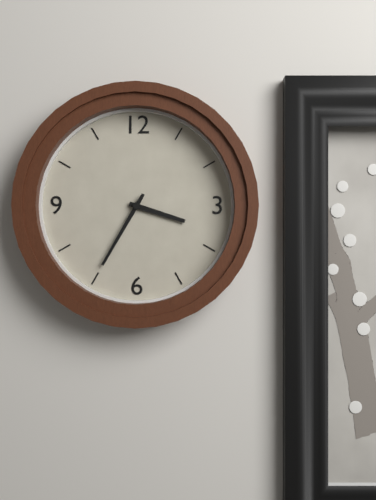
3:35
